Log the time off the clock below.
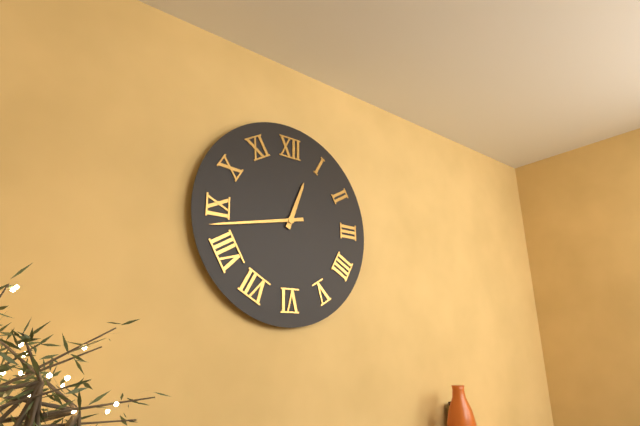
12:43
